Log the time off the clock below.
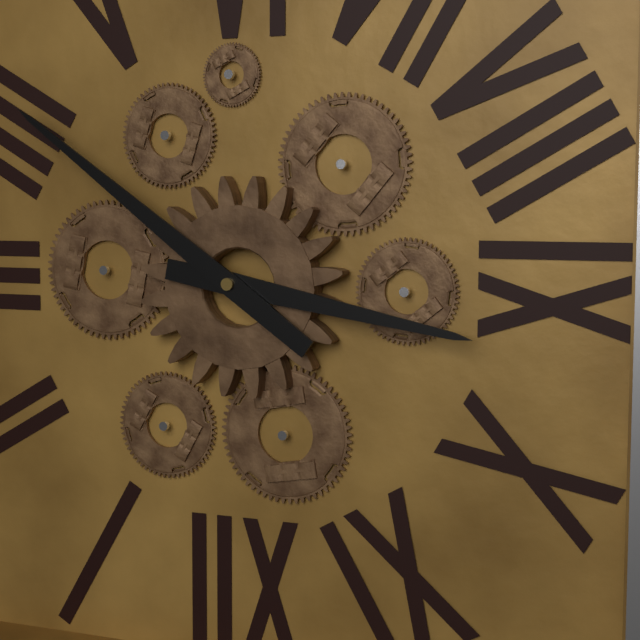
9:21
